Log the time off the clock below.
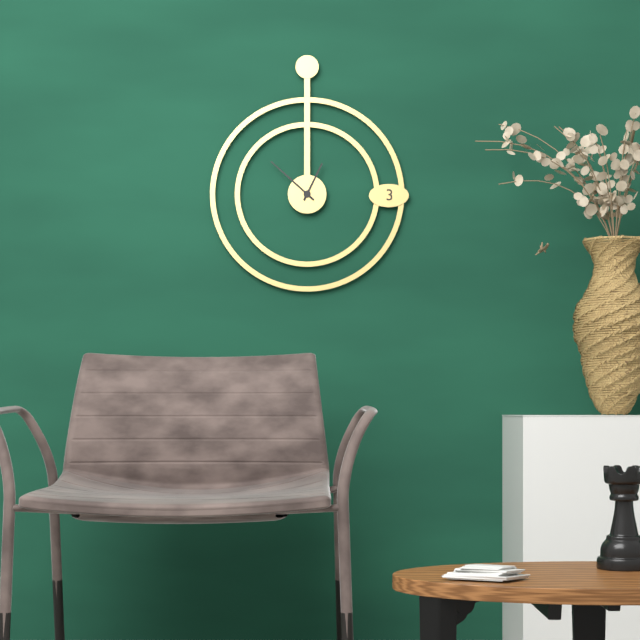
12:52
